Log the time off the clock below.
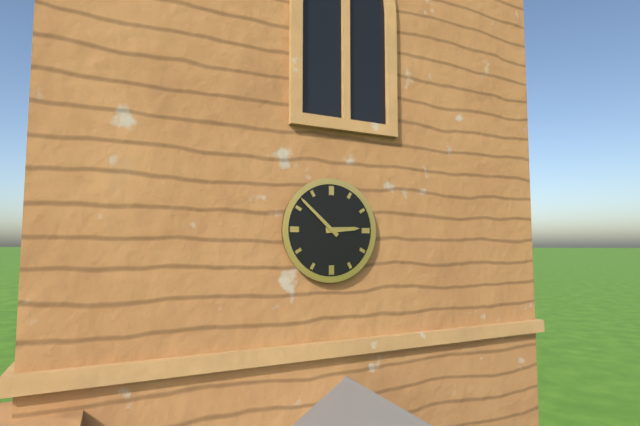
2:52
